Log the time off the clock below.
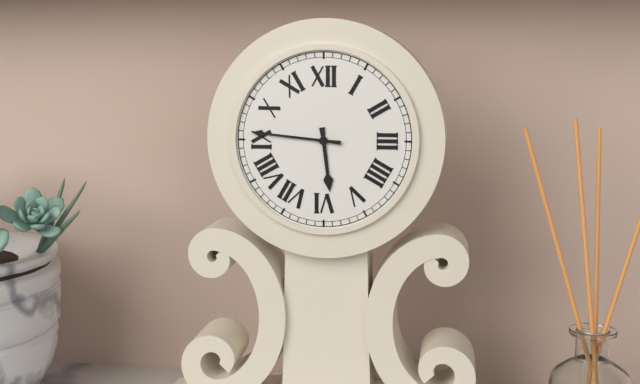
5:46
